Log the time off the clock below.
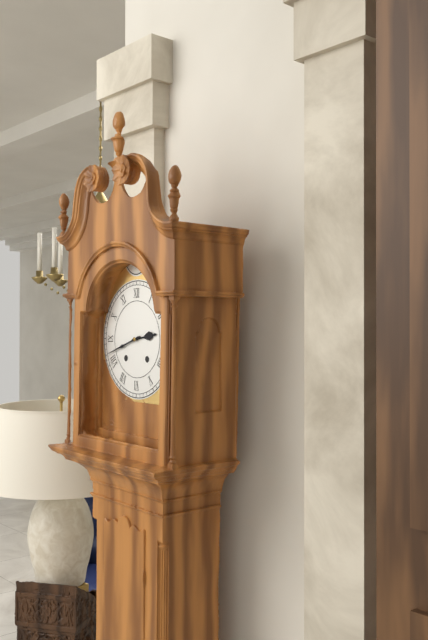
2:42
